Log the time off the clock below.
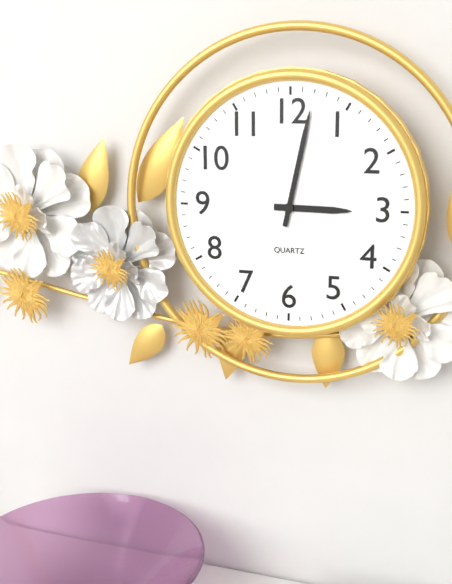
3:02
